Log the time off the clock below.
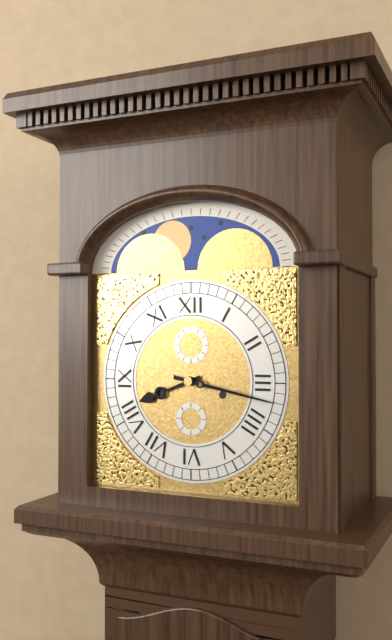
8:17
